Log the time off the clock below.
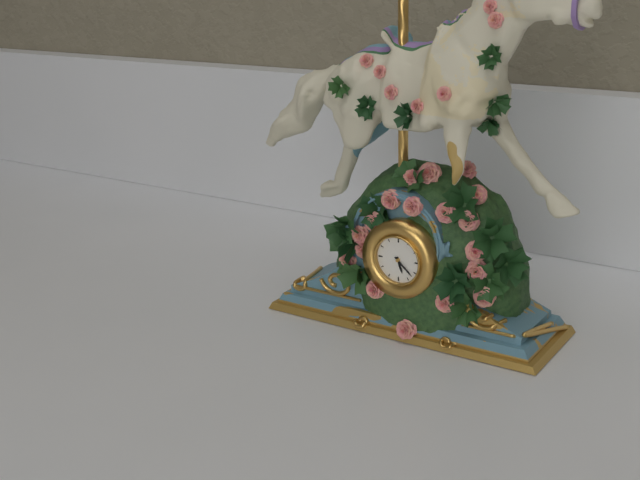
5:22
